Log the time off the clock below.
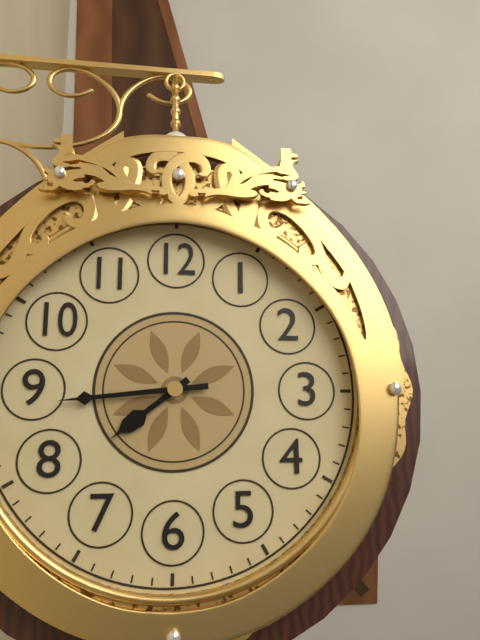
7:44
